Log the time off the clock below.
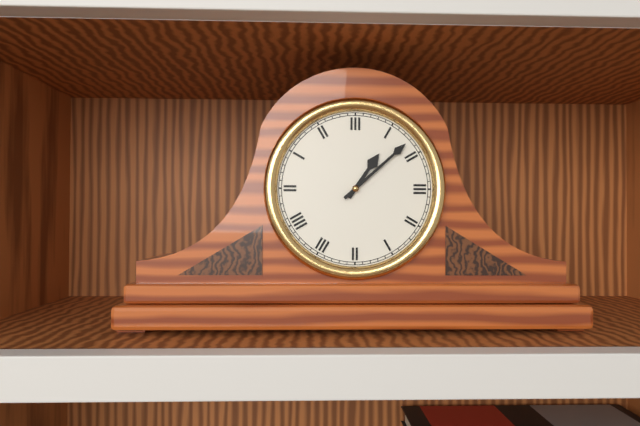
1:08
